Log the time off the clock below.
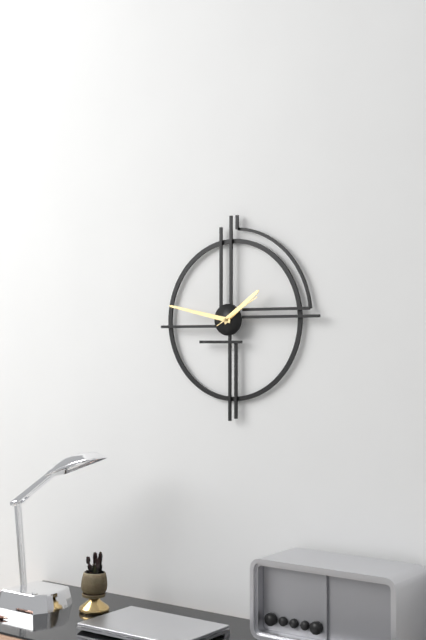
1:47
